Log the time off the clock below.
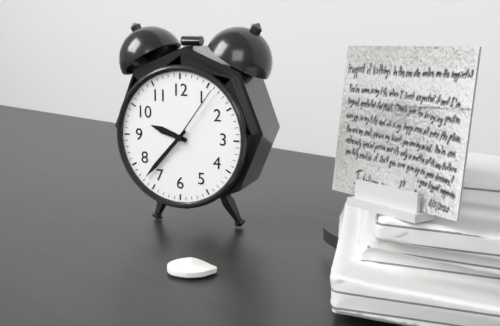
9:37:06
